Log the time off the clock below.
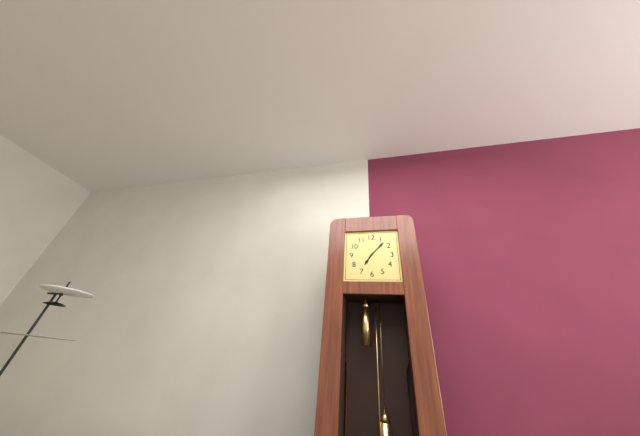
7:07
